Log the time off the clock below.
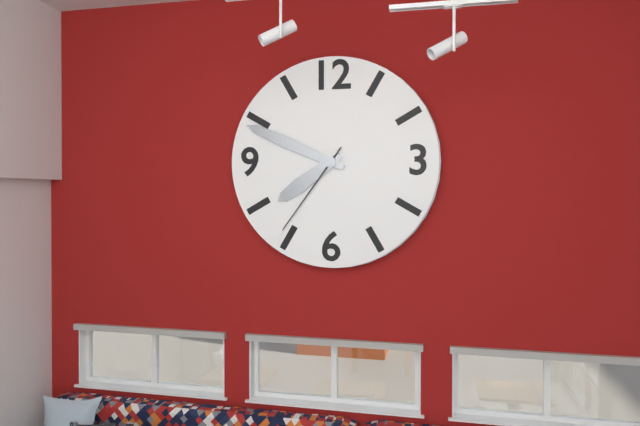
7:49:36
